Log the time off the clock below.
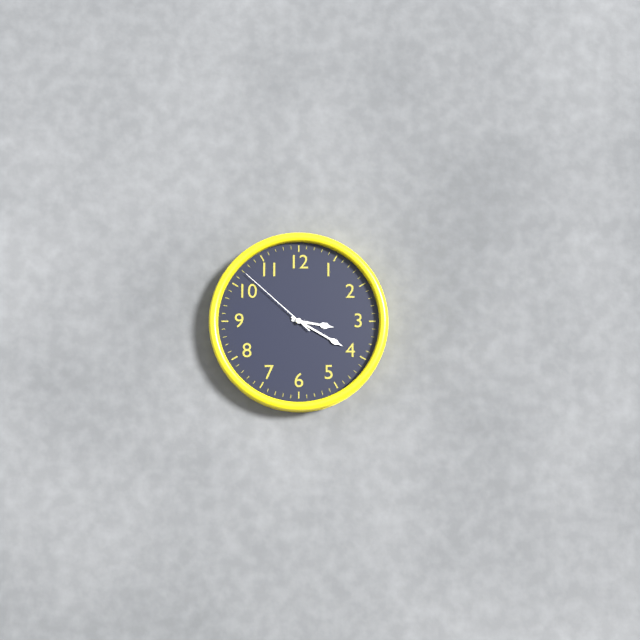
3:20:52
